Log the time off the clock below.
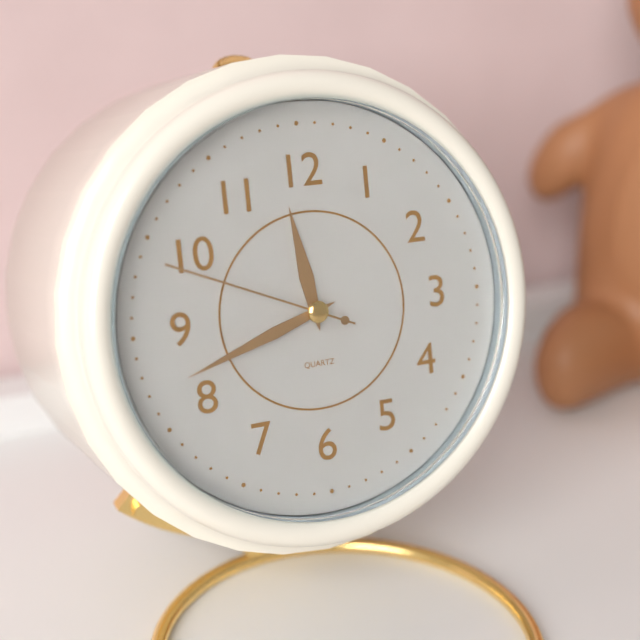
11:42:49
